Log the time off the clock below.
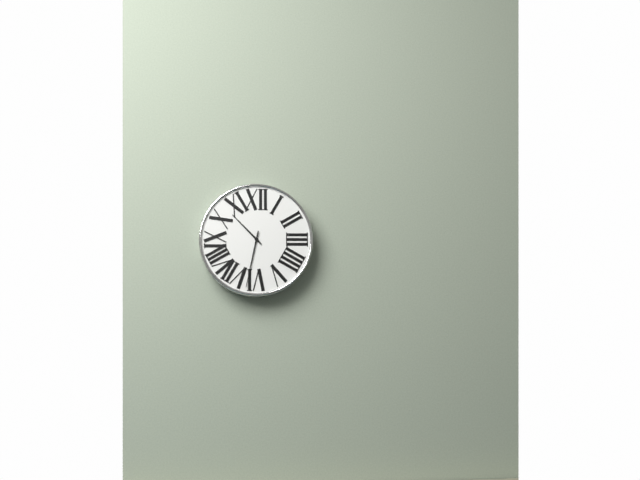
10:32
